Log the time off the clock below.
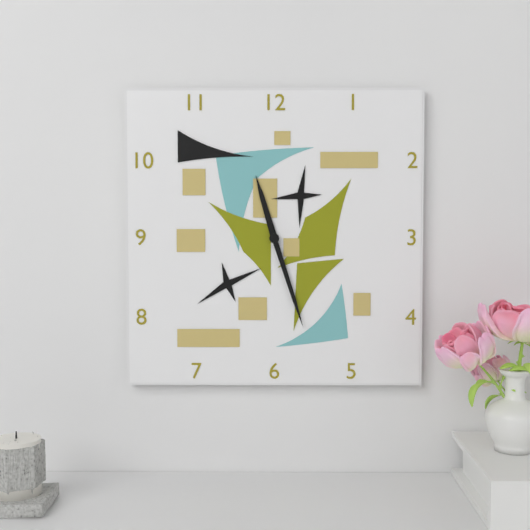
11:27
